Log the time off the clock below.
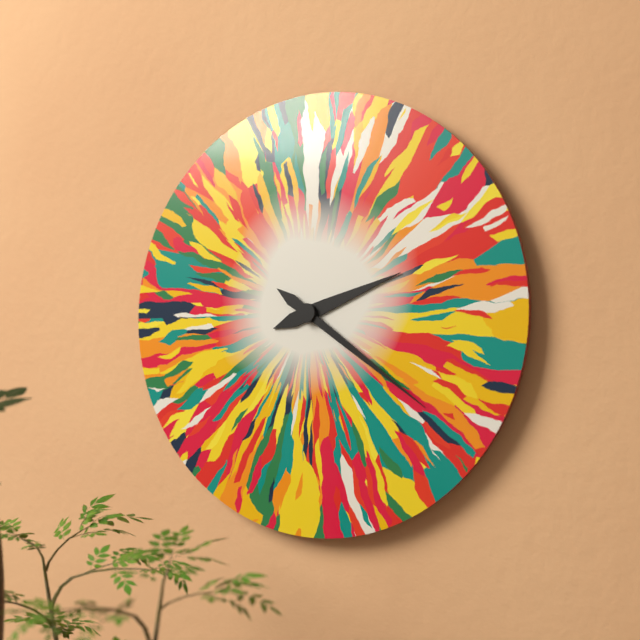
2:21
